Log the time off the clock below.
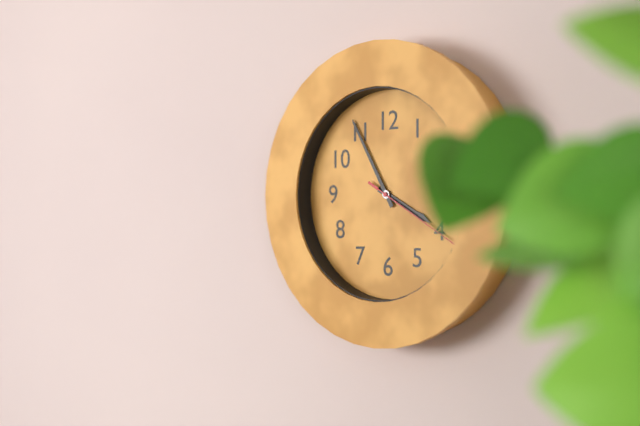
3:55:20
